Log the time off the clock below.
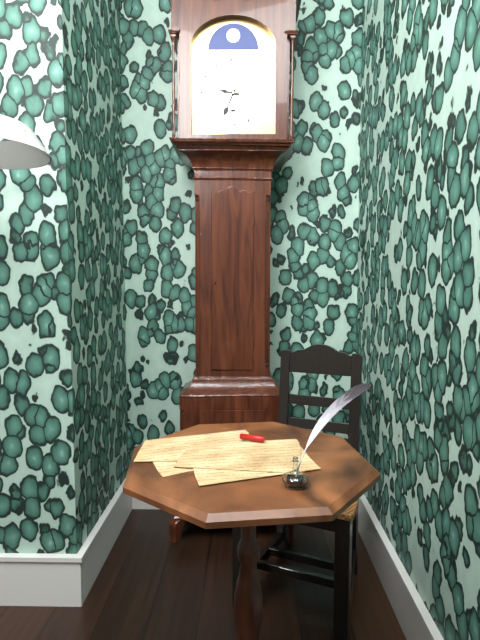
6:47
